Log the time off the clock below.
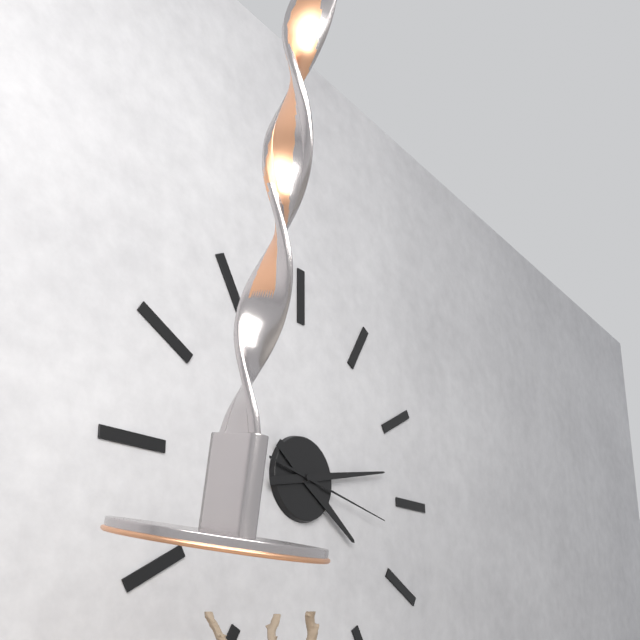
4:13:17
